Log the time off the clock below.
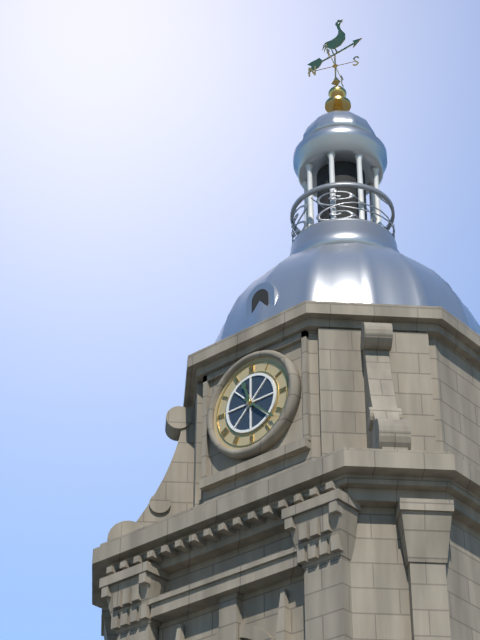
11:22
